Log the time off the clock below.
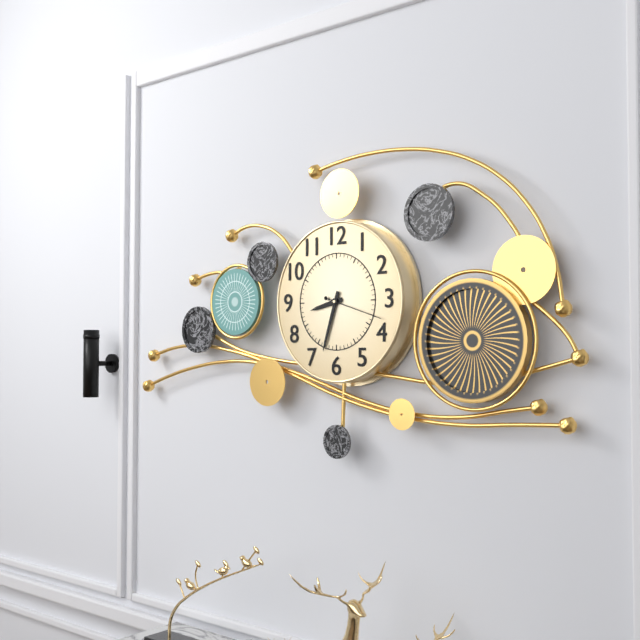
8:33:18
